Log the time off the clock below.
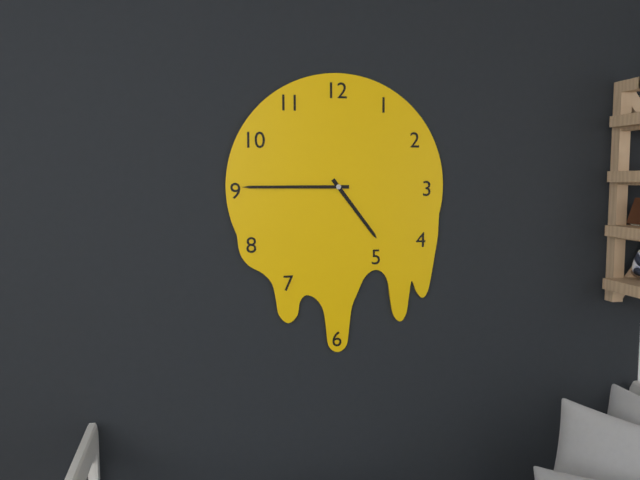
4:45
